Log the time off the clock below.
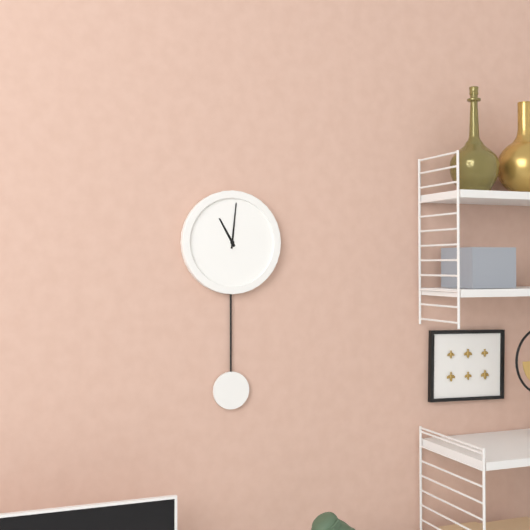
11:01
